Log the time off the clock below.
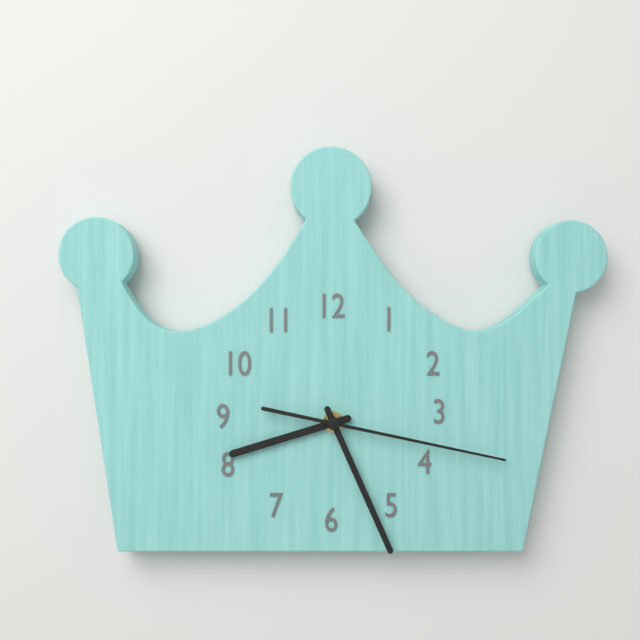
8:26:17
